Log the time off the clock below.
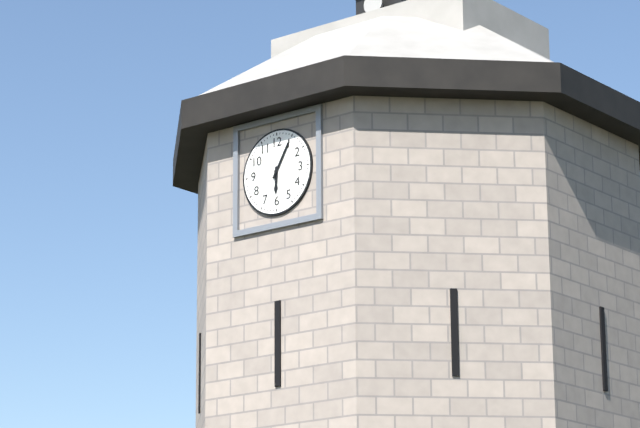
6:05
